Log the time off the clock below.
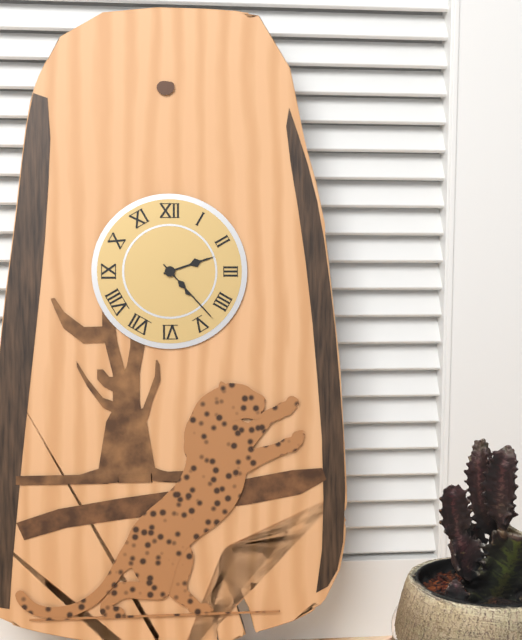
2:23
